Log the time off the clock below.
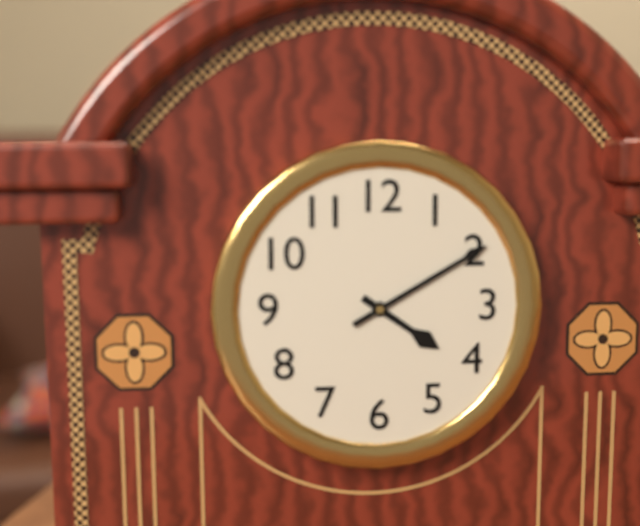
4:10
